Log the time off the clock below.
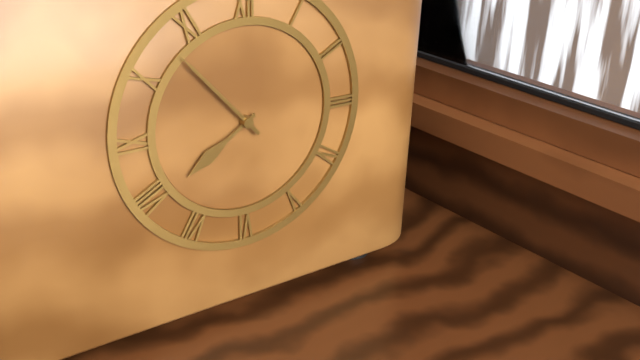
7:53
